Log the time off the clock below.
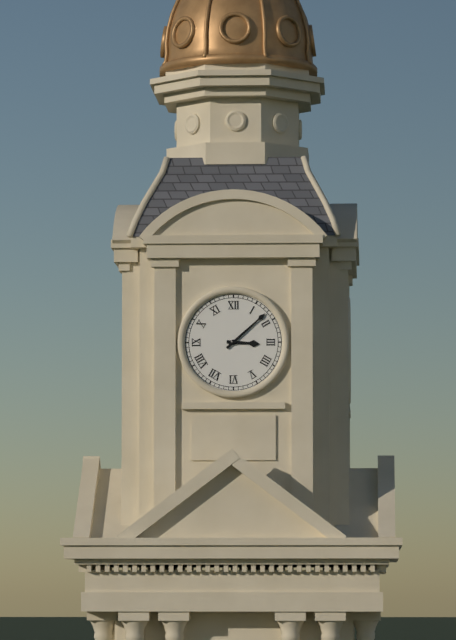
3:08
